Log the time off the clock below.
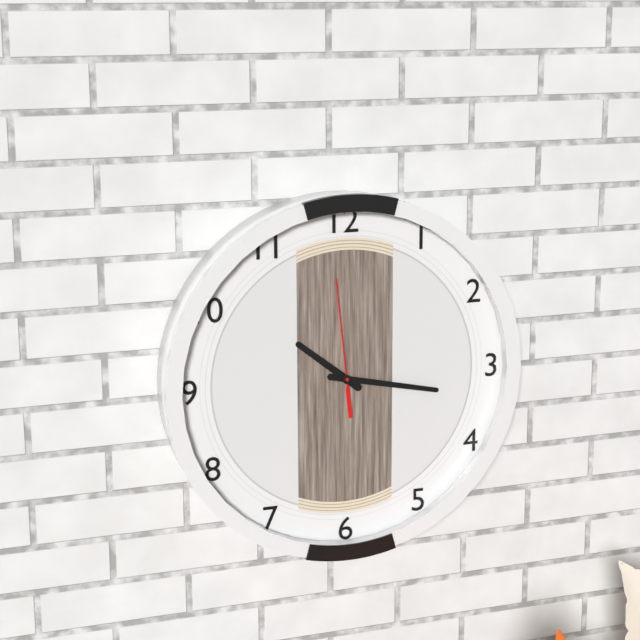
10:17:59
